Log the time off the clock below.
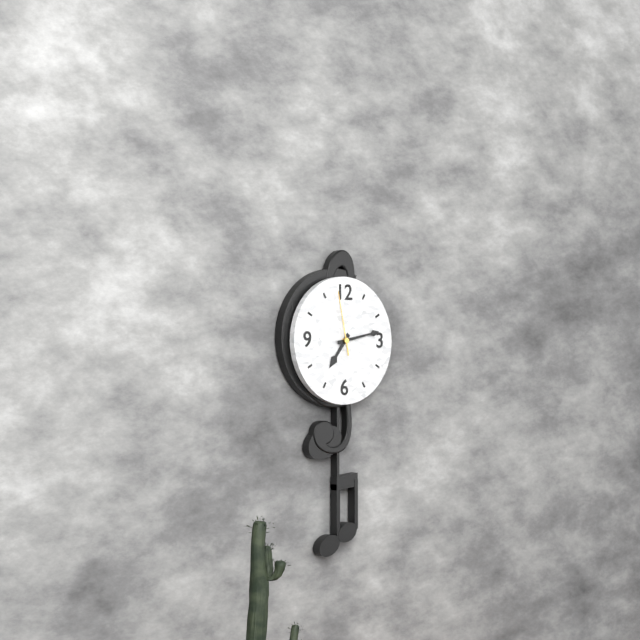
7:13:58
